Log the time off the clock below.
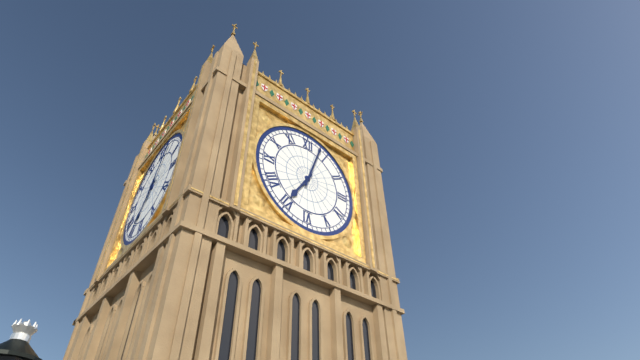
7:03
